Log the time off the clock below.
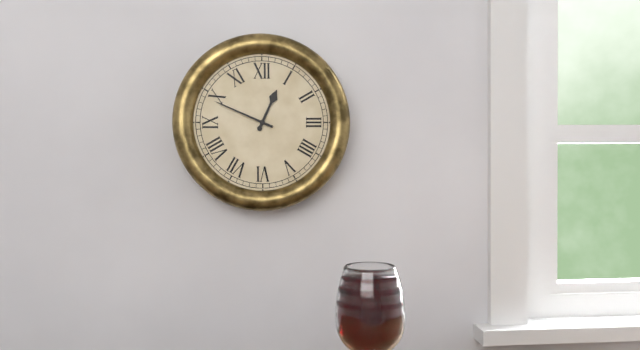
12:49
